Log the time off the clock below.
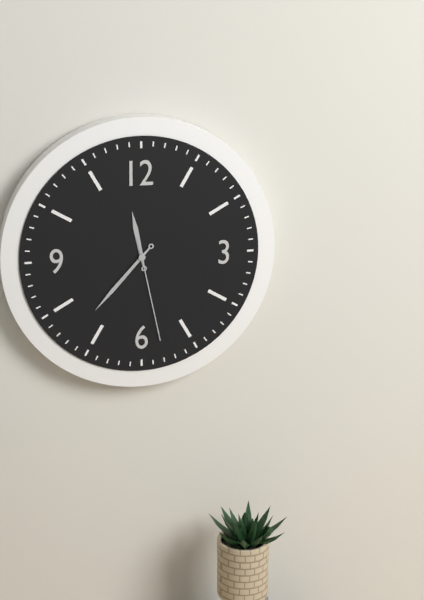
11:37:28
